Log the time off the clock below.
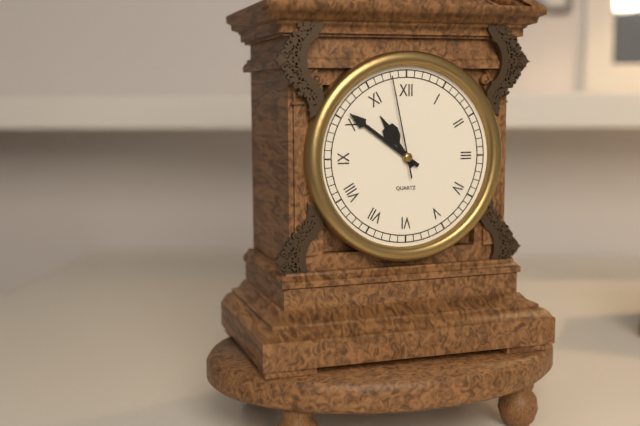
10:51:58
